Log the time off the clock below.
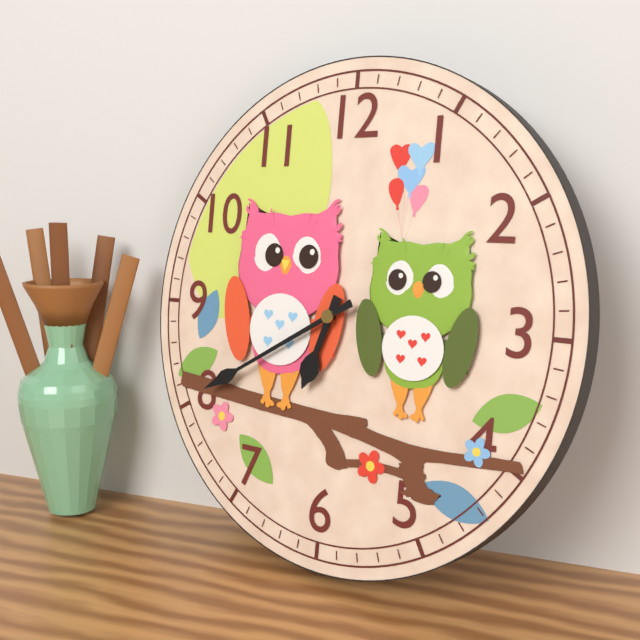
6:40
